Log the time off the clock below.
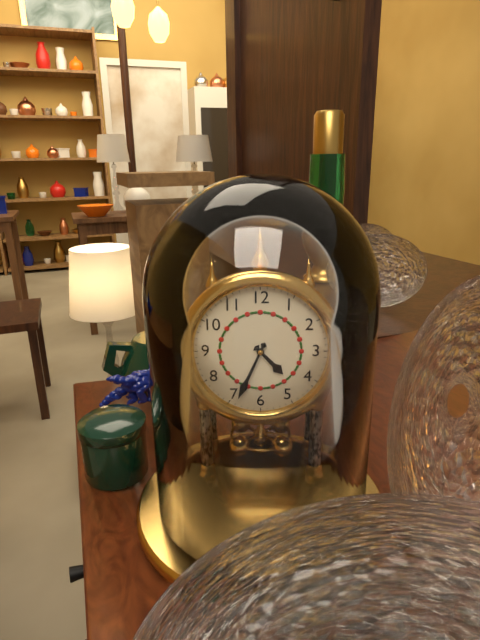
4:34
